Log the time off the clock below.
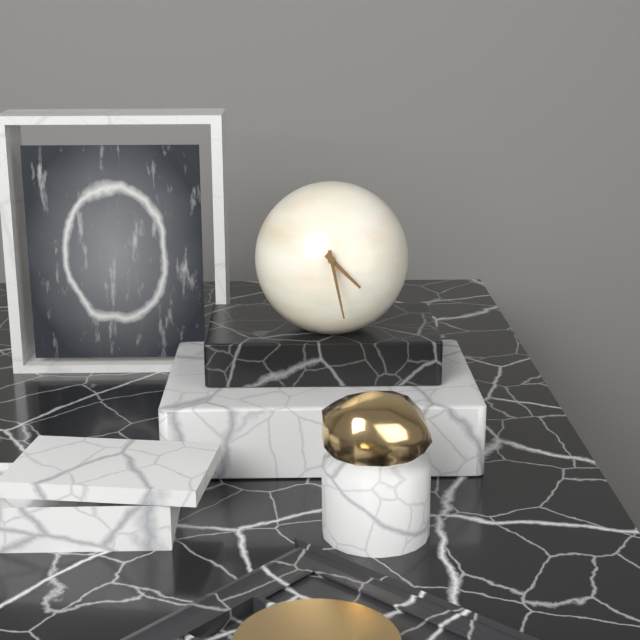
4:28
